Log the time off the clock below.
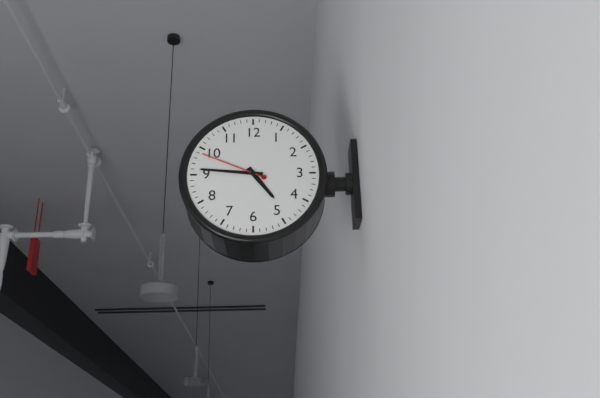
4:46:49
